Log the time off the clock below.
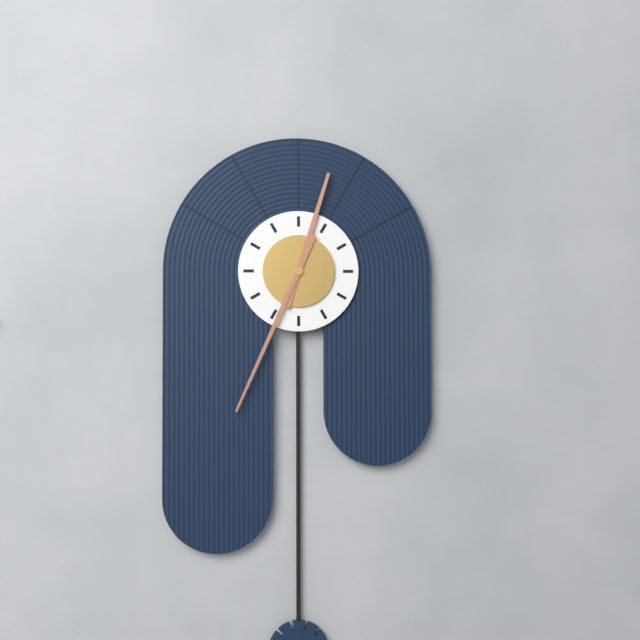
12:34
